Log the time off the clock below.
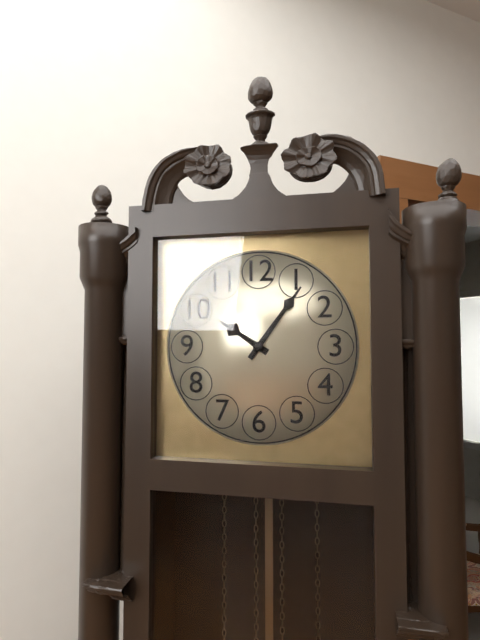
10:06
